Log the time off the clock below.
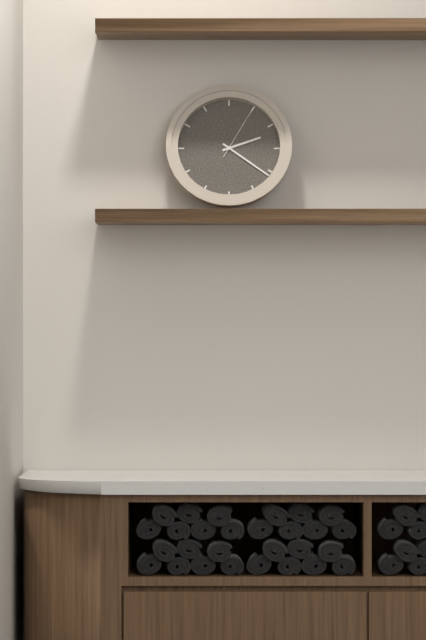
2:21:05
